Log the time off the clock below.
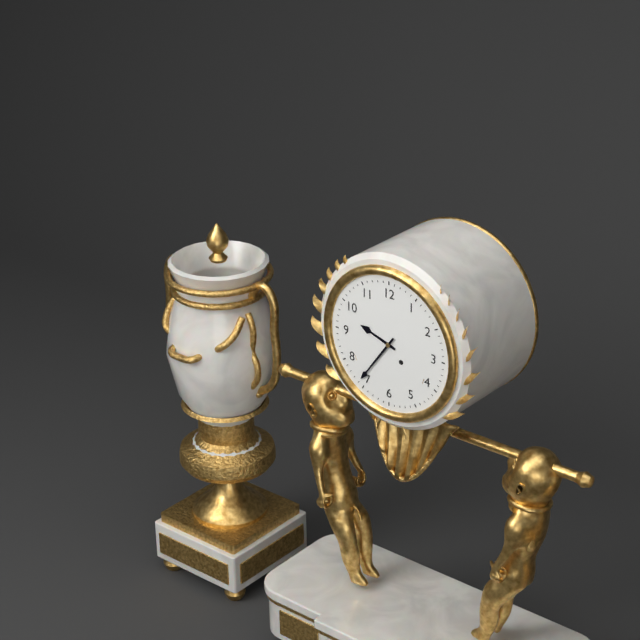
9:36
